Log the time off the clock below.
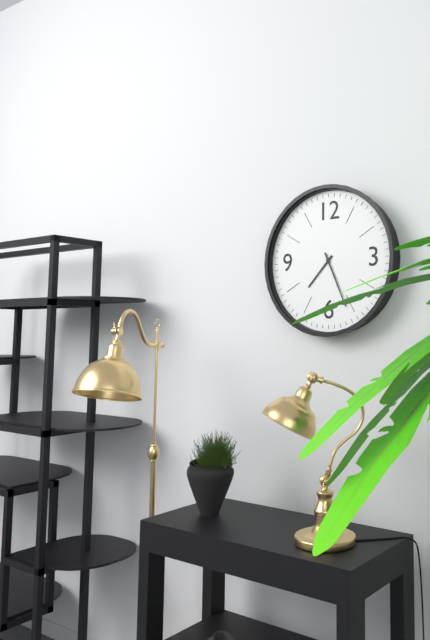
7:26
